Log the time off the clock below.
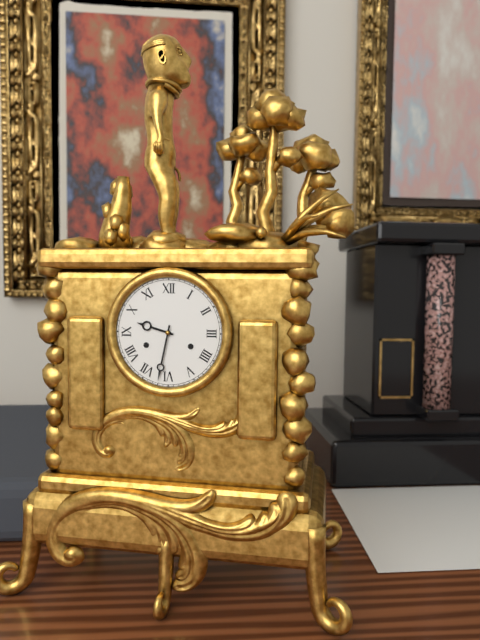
9:32
